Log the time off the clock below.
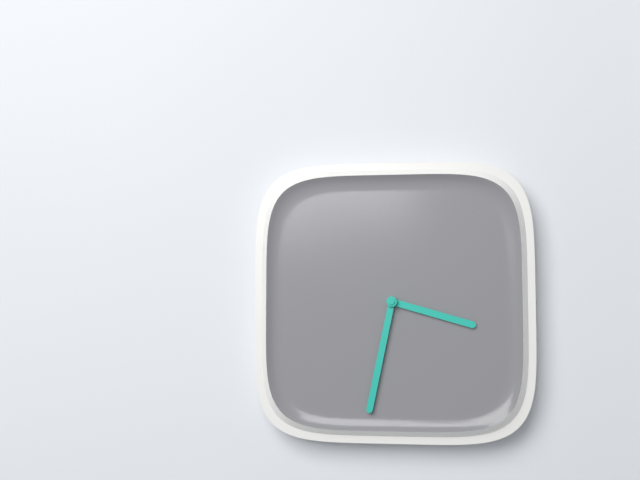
3:32
